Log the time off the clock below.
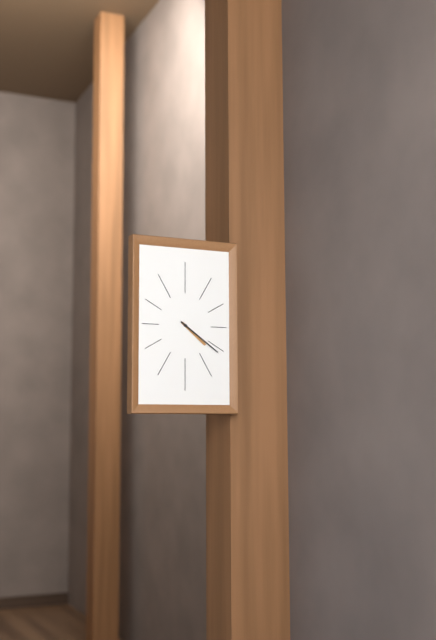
4:21
